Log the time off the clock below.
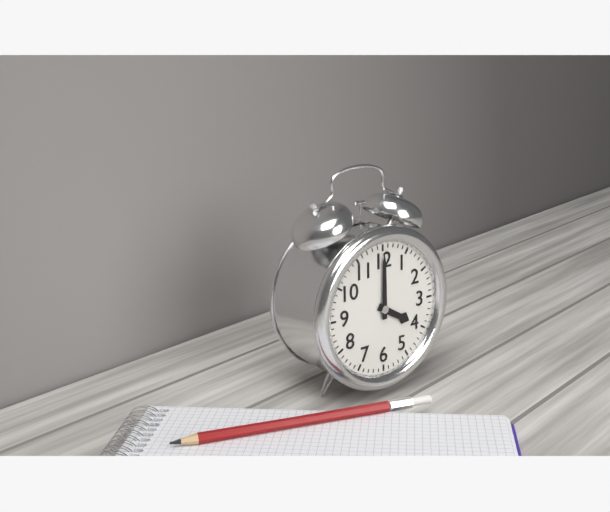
4:00
